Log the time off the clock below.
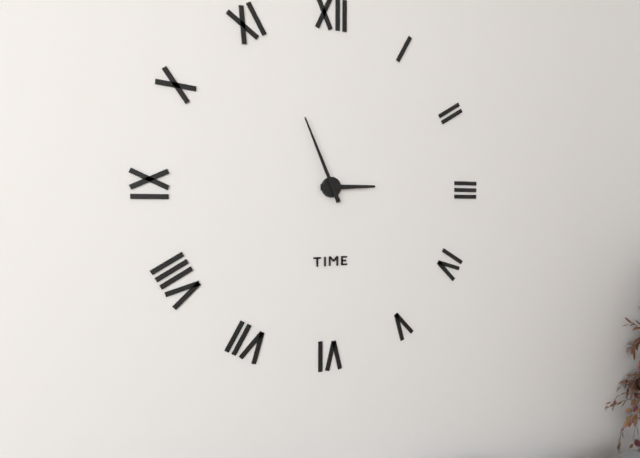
2:56
